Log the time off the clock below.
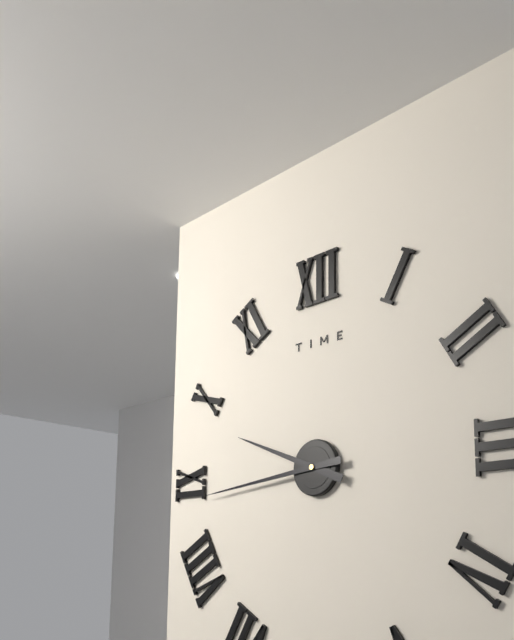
9:44
